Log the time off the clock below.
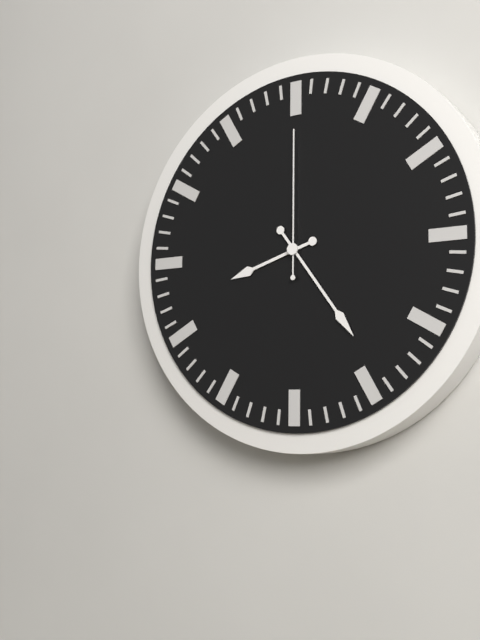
8:24:00
